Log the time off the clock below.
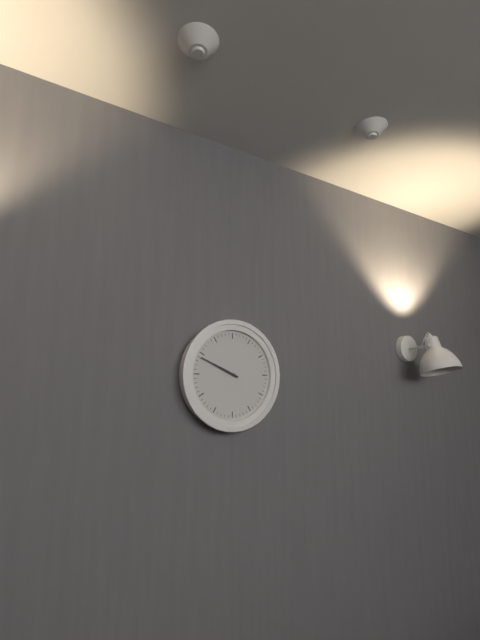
9:49
